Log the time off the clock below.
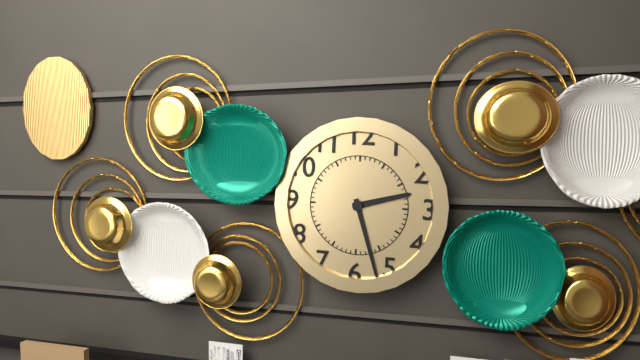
2:27
